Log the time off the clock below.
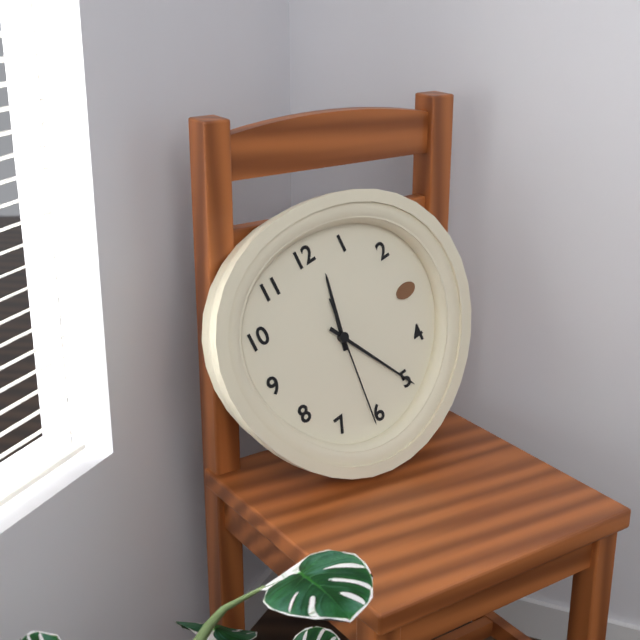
12:25:31
